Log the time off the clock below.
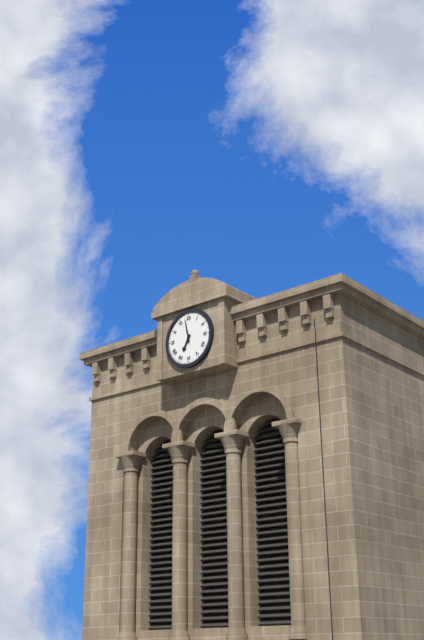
6:58
